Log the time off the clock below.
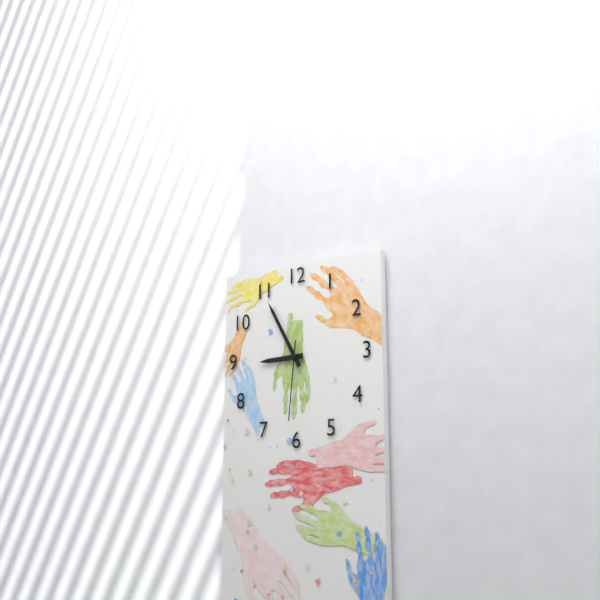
8:55:31
